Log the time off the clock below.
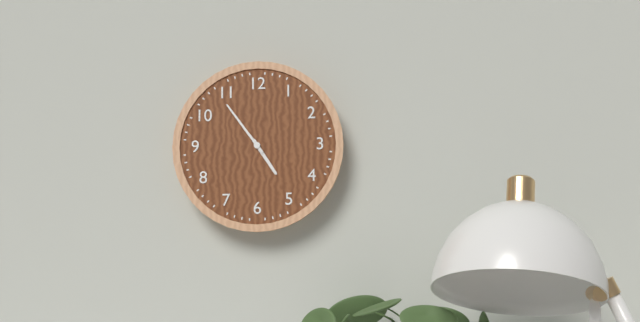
4:54
